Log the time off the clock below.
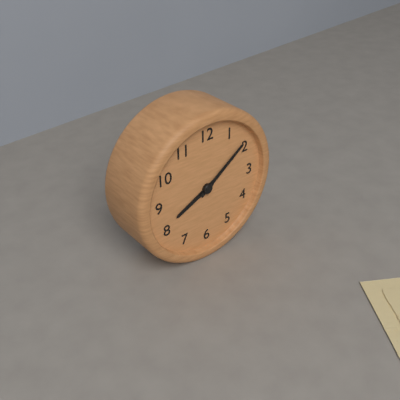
8:09
